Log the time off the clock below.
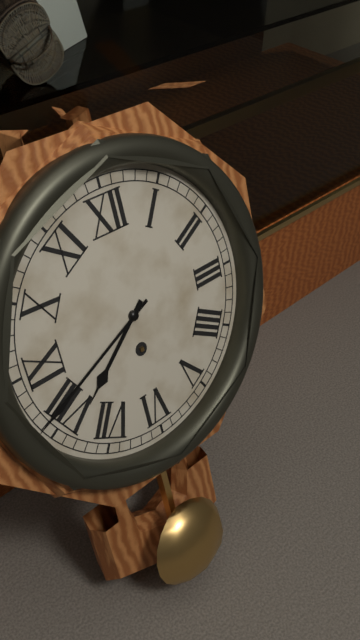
7:41
